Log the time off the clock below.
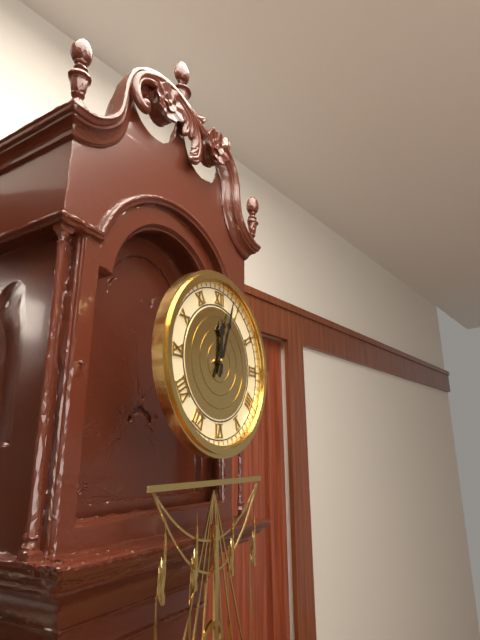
12:03
